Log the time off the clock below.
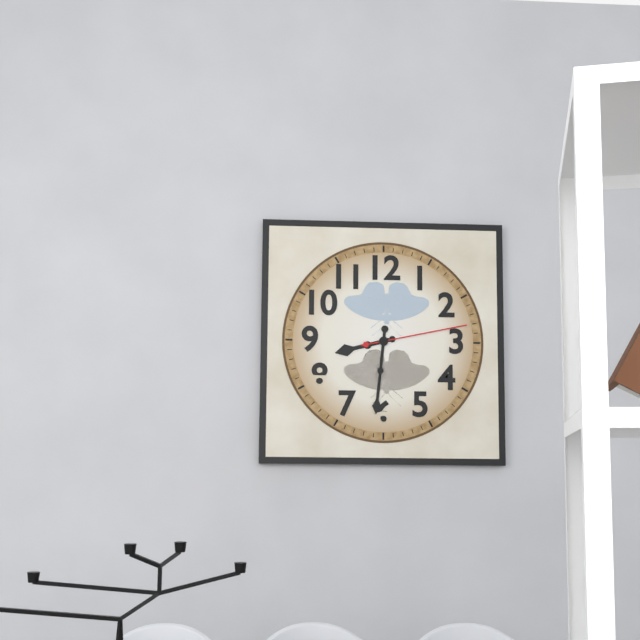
8:31:13
